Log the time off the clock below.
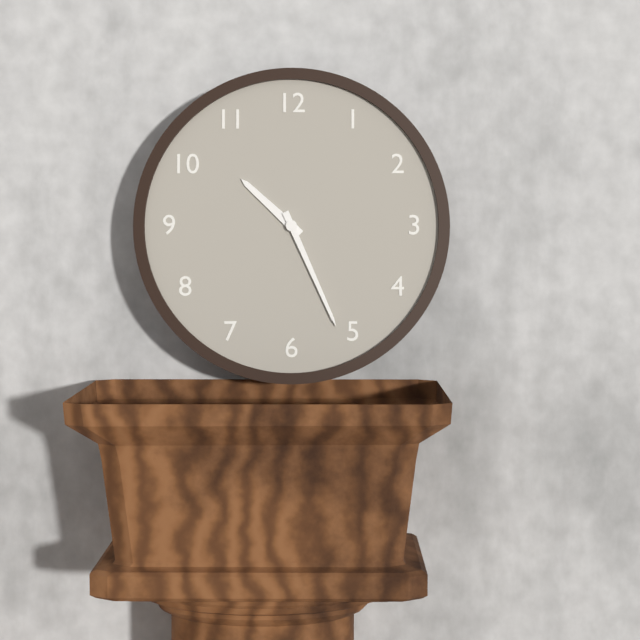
10:26
